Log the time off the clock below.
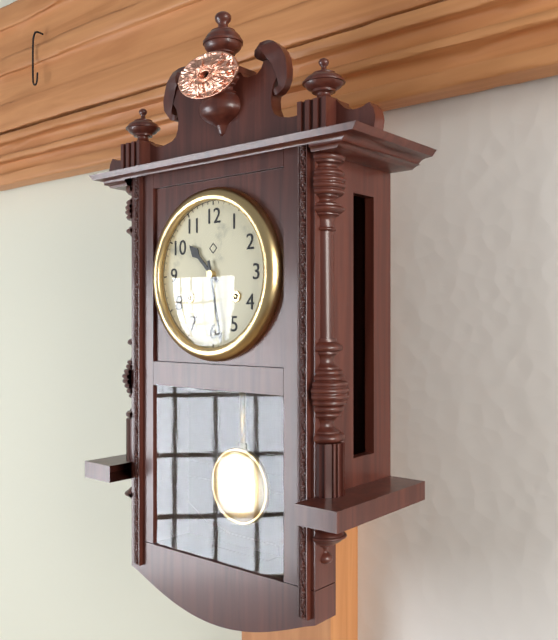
10:28
